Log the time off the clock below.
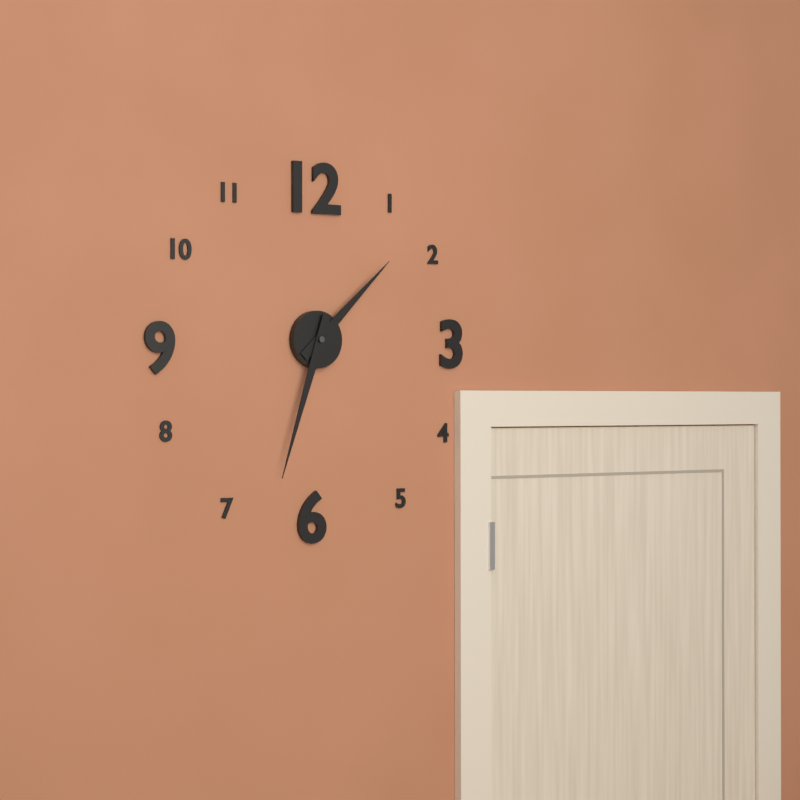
1:33
